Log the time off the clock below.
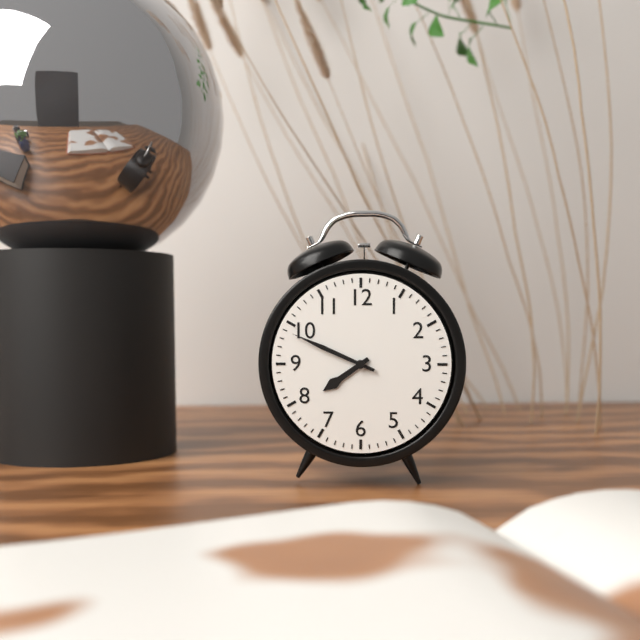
7:49
